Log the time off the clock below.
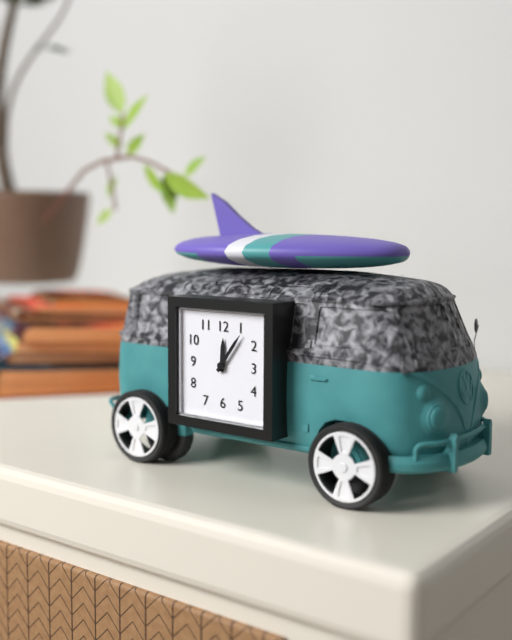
12:06
